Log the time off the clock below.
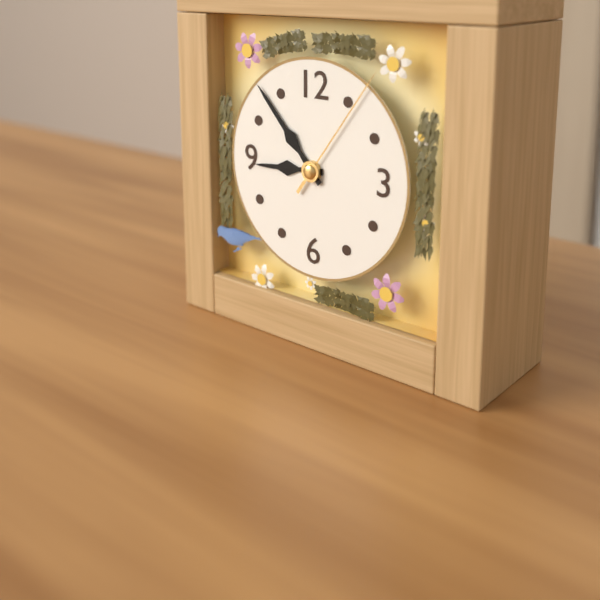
8:53:06
